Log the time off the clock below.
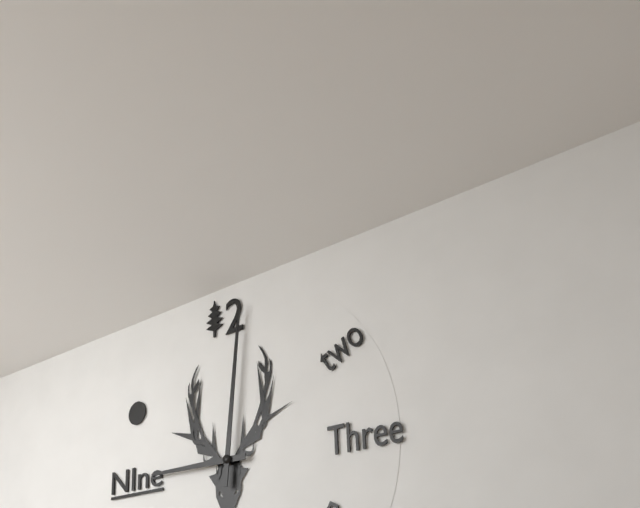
9:01
